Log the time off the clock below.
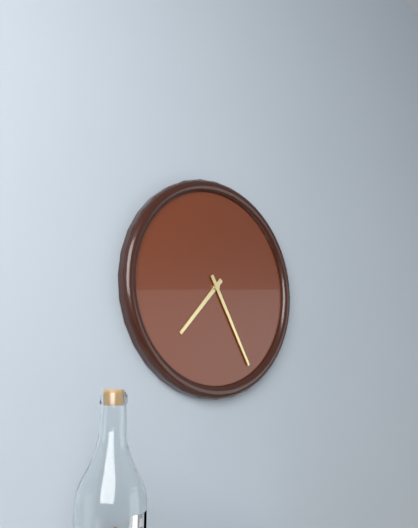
7:25
